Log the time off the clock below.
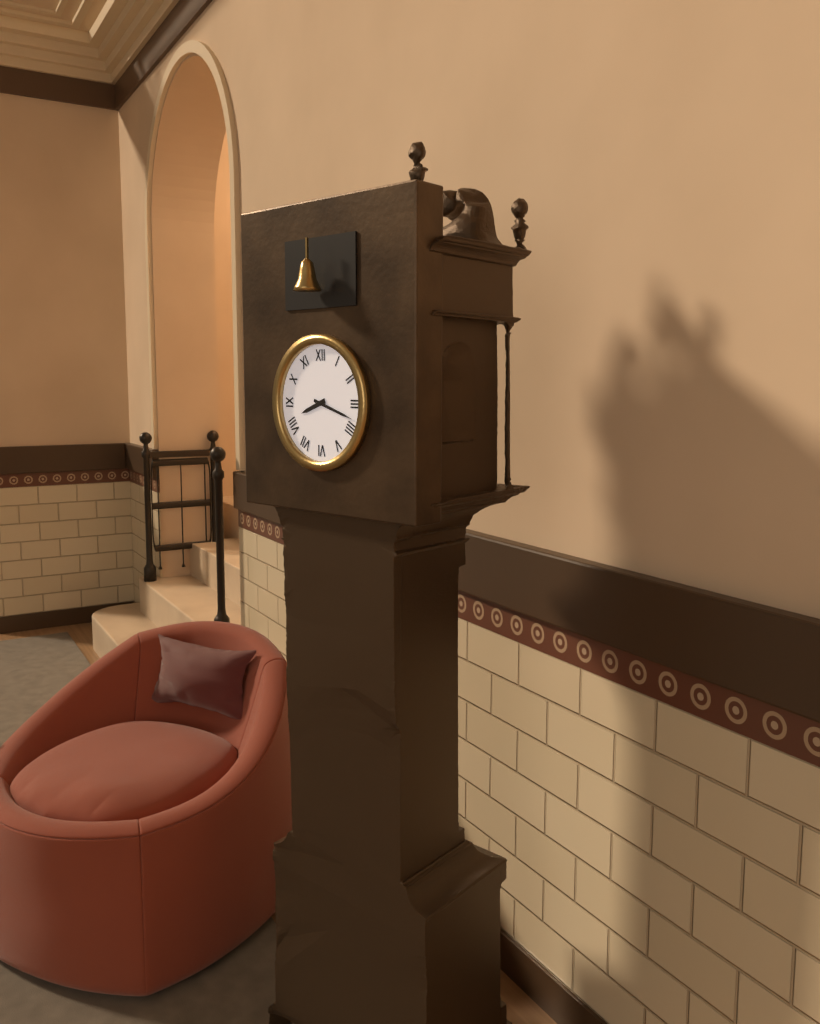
8:18
